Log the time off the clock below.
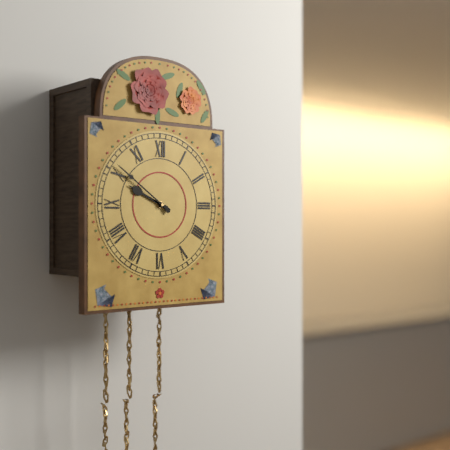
9:51
